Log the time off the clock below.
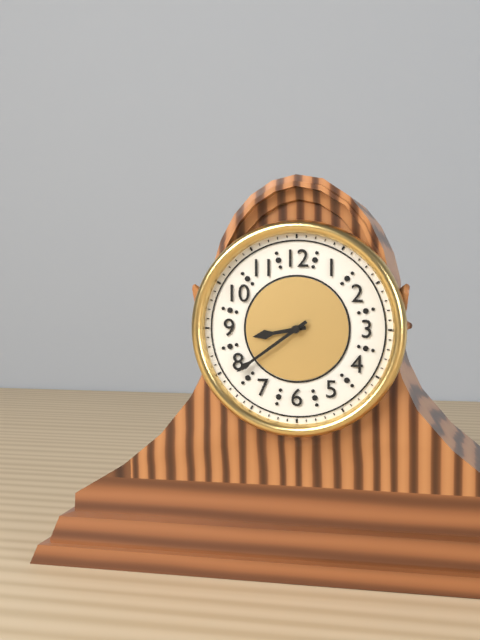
8:39
